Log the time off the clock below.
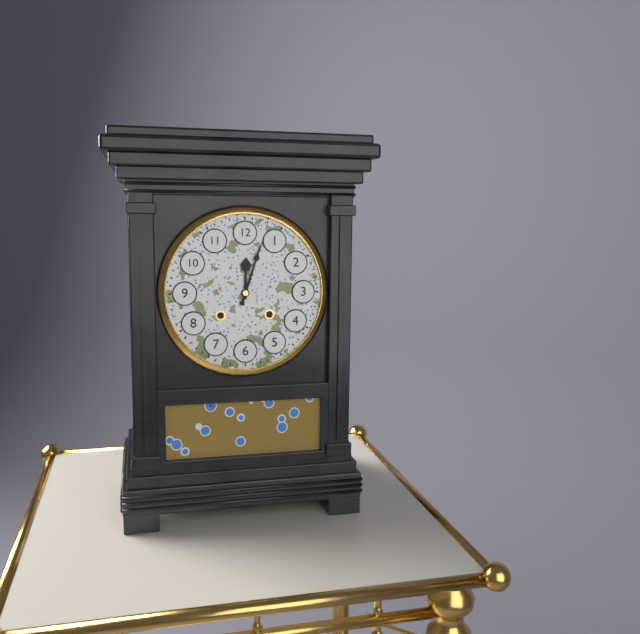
12:03
